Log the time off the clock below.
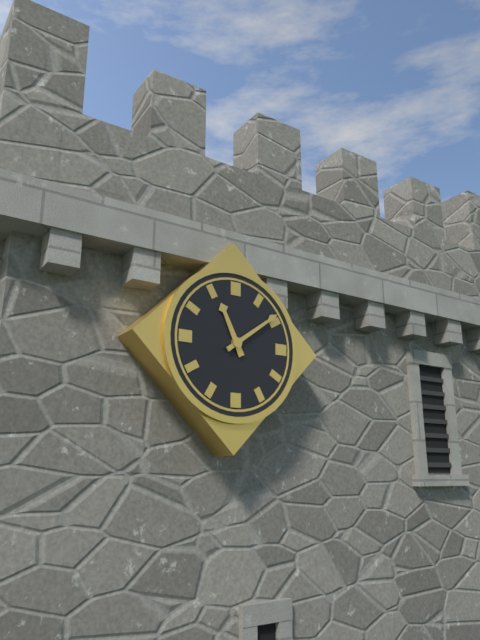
11:09
